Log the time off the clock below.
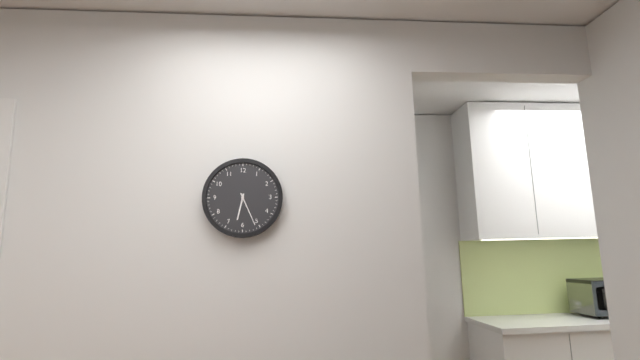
6:26
